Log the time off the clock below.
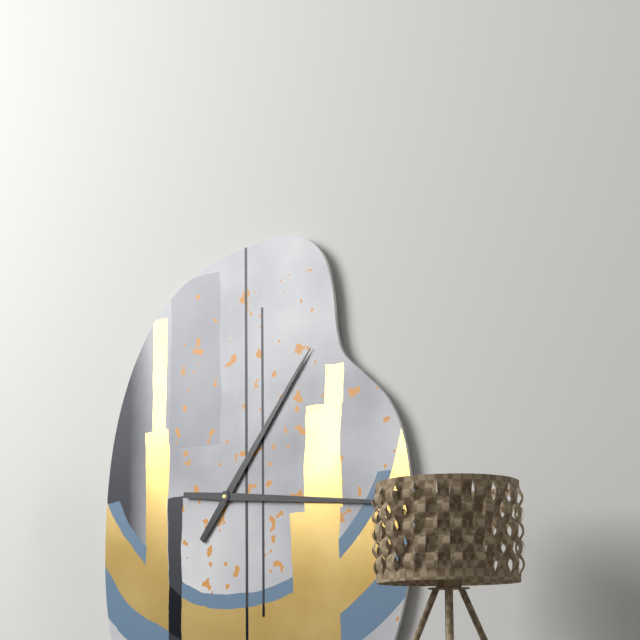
1:16
